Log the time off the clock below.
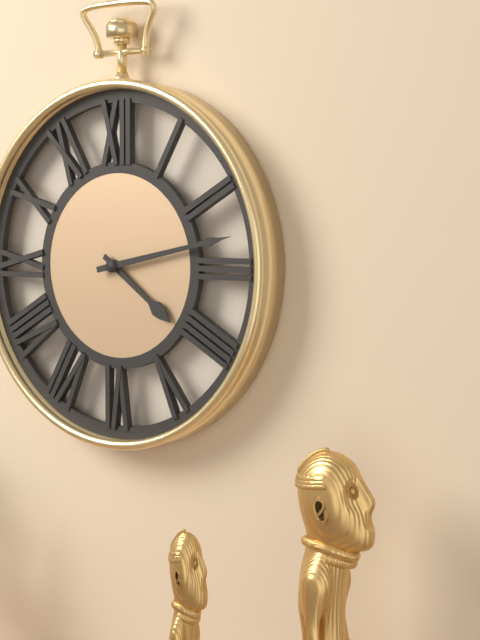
4:13
